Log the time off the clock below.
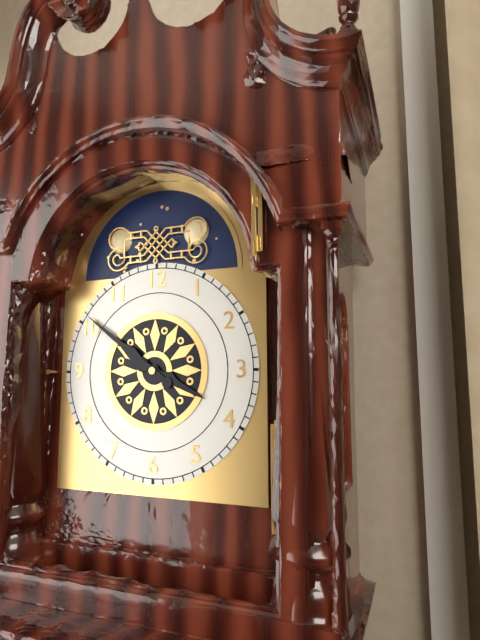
3:51
